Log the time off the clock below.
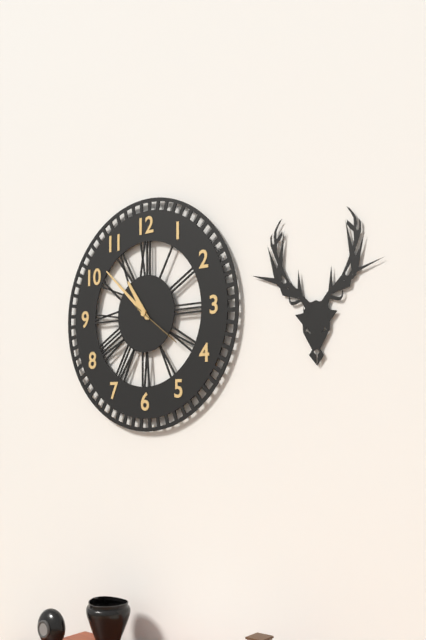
10:52
